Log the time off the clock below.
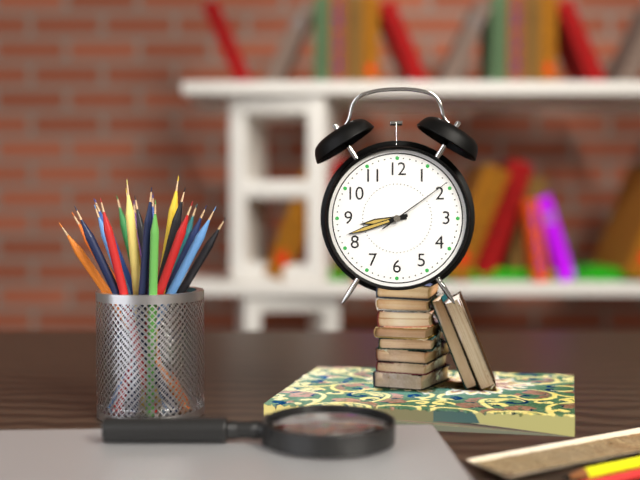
8:42:09
